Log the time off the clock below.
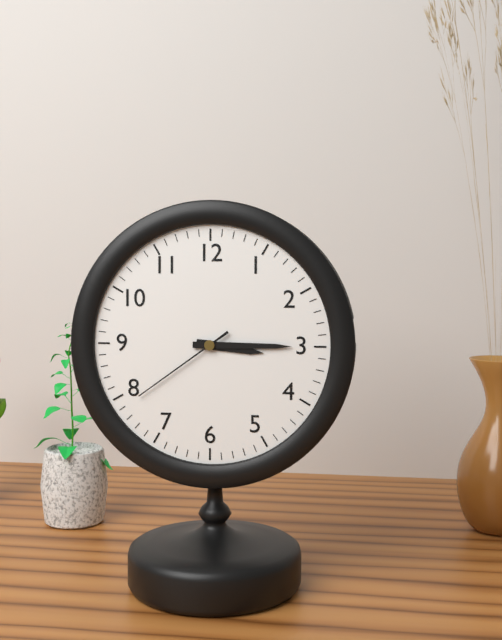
3:15:39
